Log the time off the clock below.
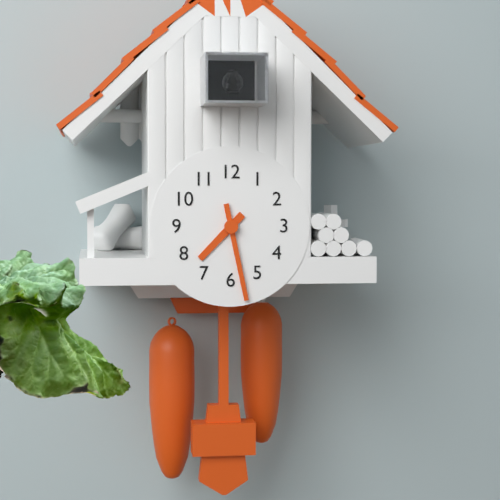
7:28
